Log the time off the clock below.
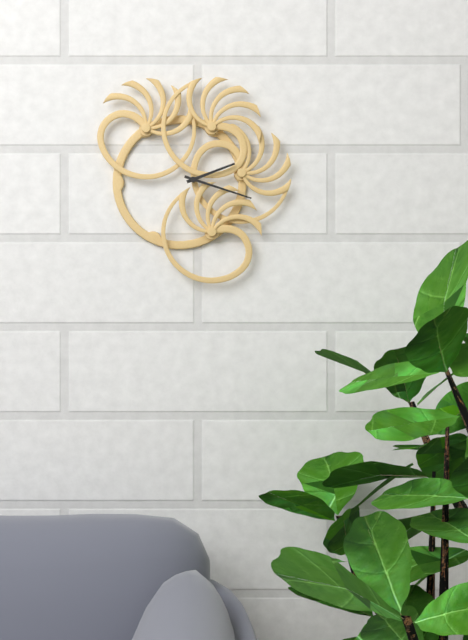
2:18
